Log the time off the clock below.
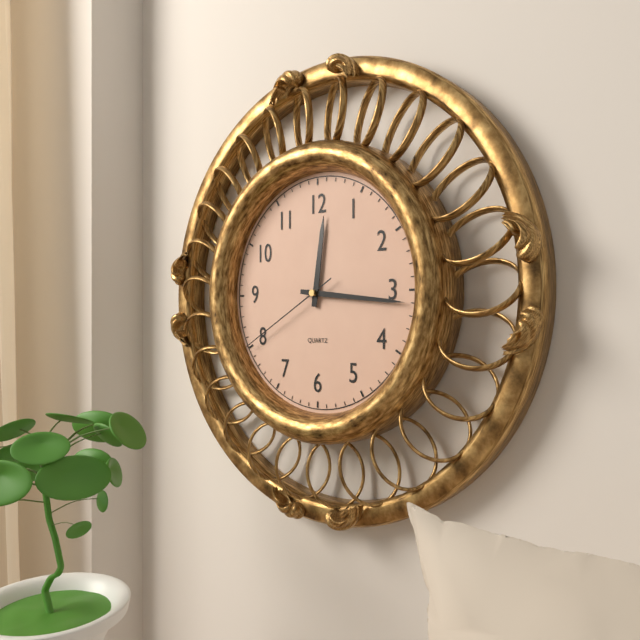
12:16:40
